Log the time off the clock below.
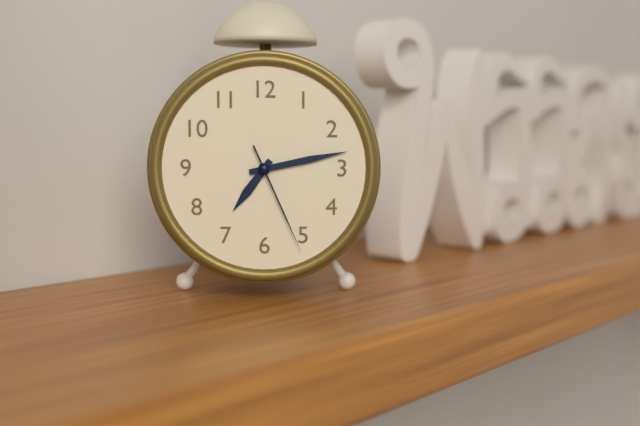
7:13:26
